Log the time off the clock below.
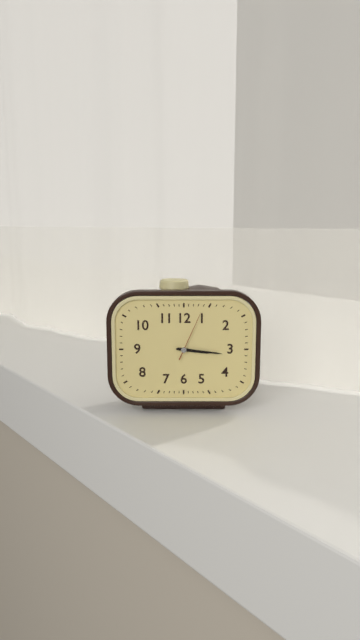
3:16:04
